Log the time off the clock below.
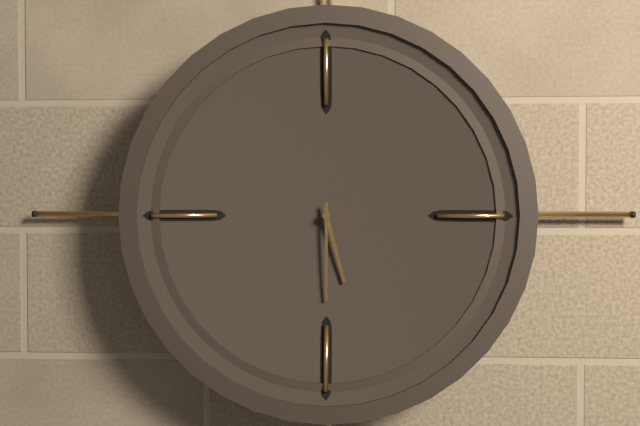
5:30
